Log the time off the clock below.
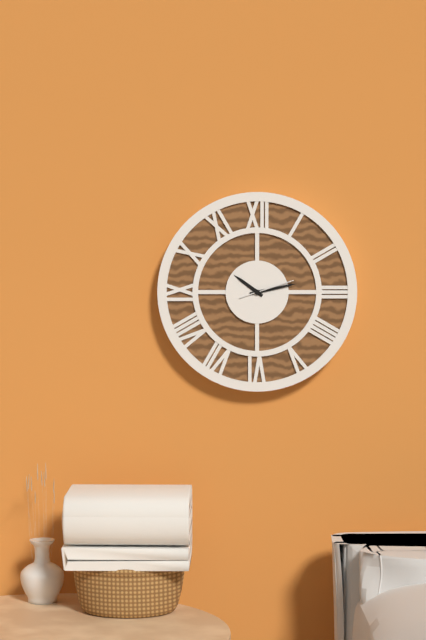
10:13
